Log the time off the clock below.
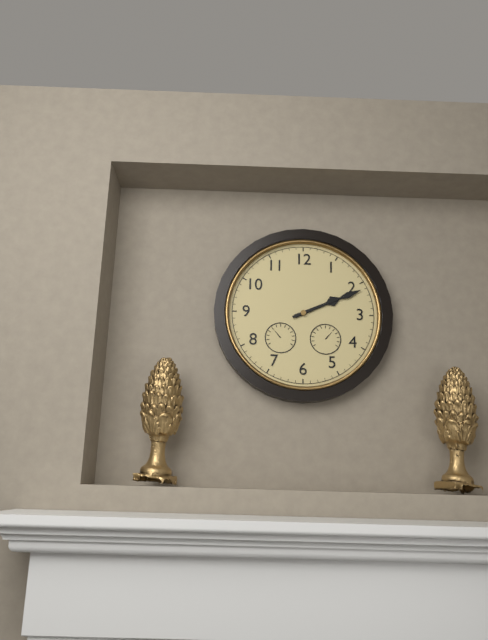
2:11
